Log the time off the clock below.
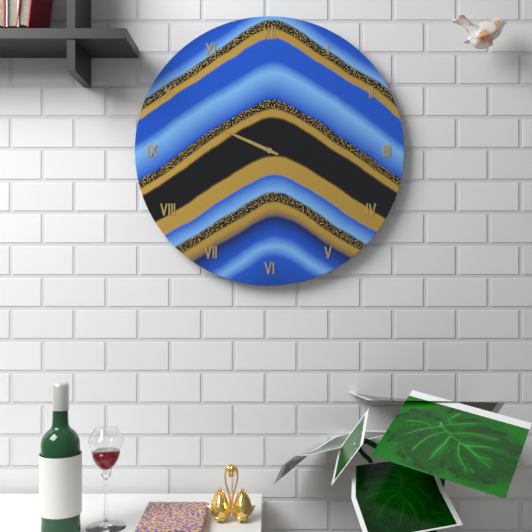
9:49
